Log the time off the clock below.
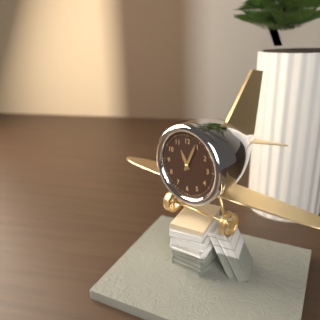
11:04
